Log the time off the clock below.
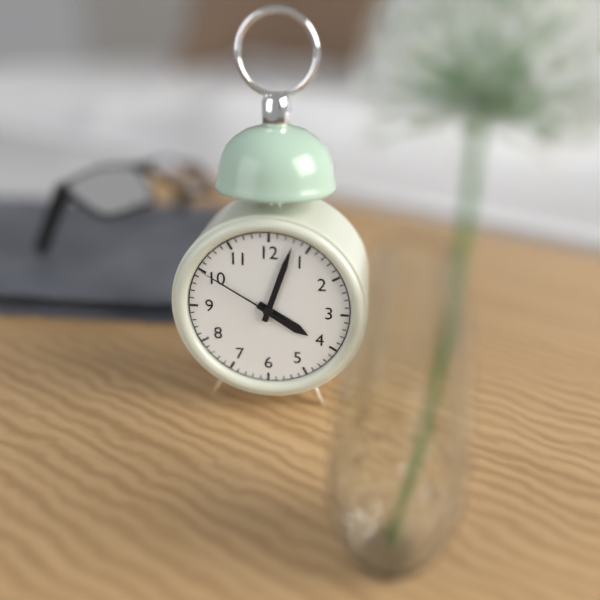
4:03:50
